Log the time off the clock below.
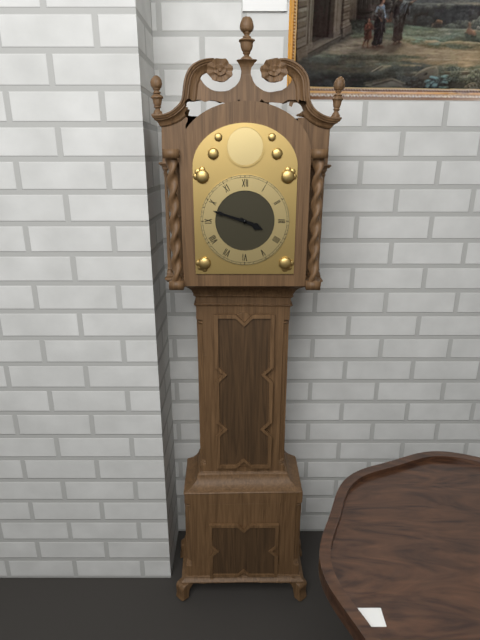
3:48
